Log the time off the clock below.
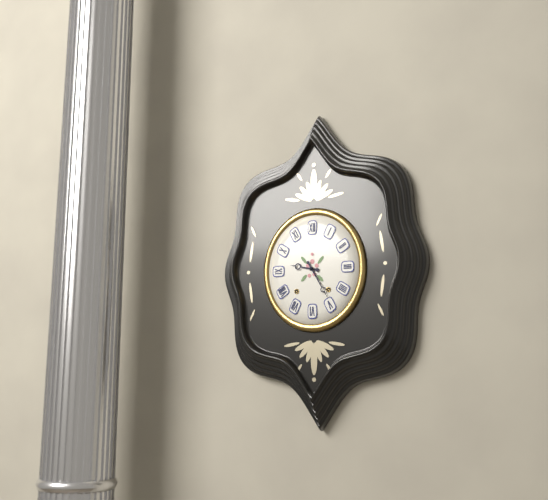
9:25
